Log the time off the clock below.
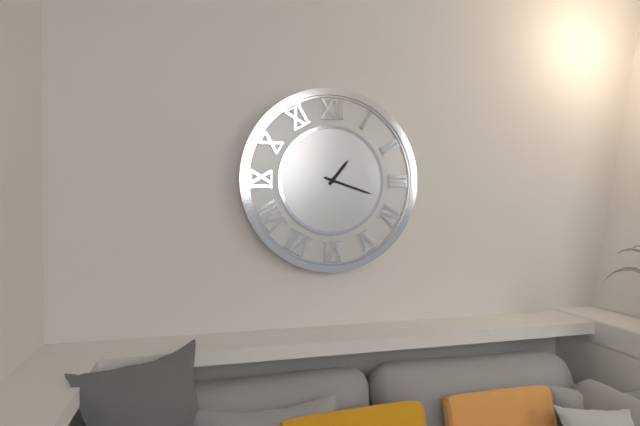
1:18
